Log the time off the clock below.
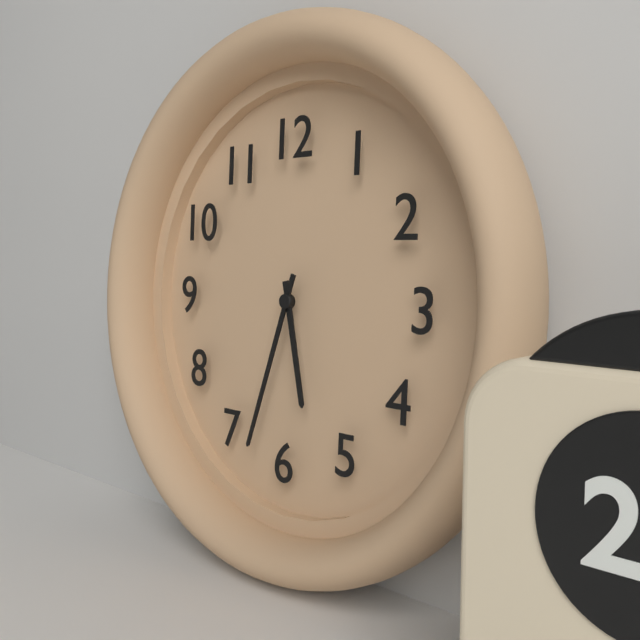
5:33
